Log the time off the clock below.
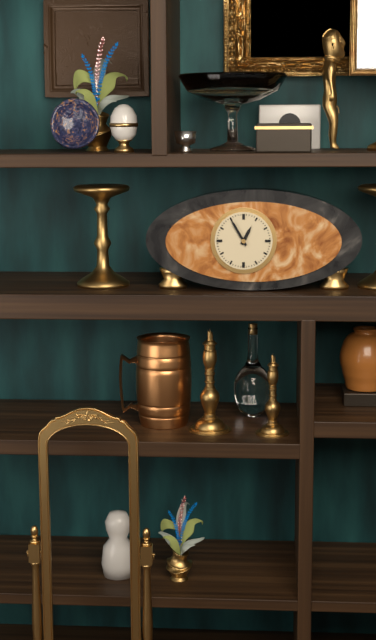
12:55
